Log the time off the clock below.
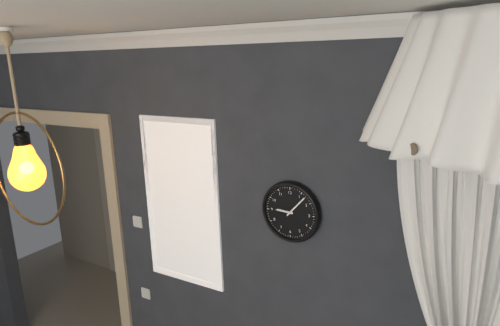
9:07
